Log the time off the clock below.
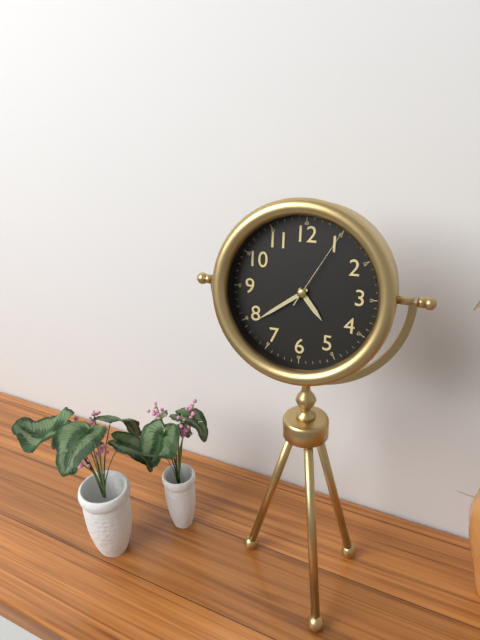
4:39:05
